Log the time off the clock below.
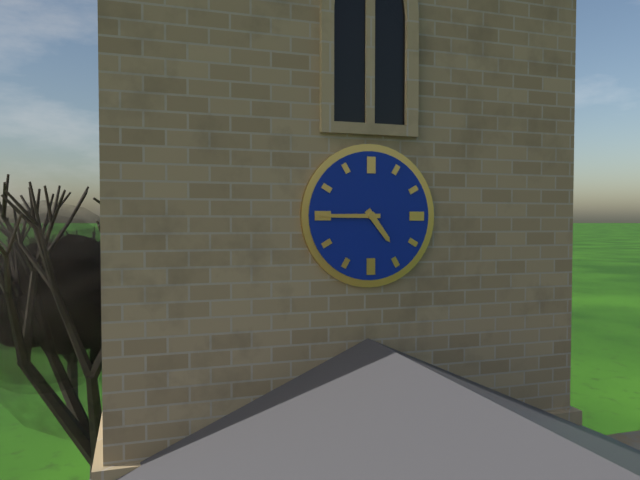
4:45
